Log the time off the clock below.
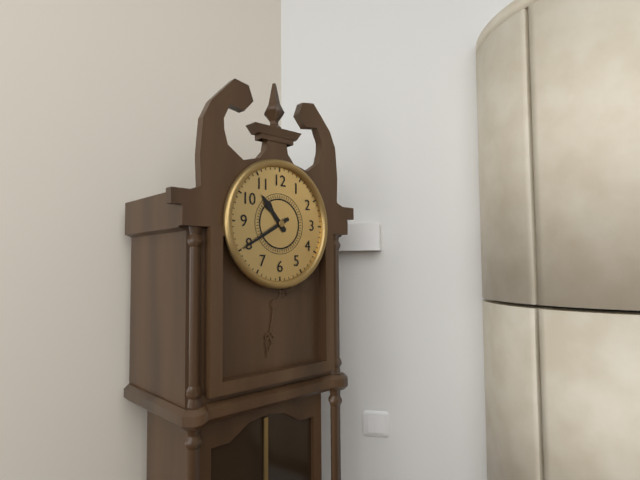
10:40
